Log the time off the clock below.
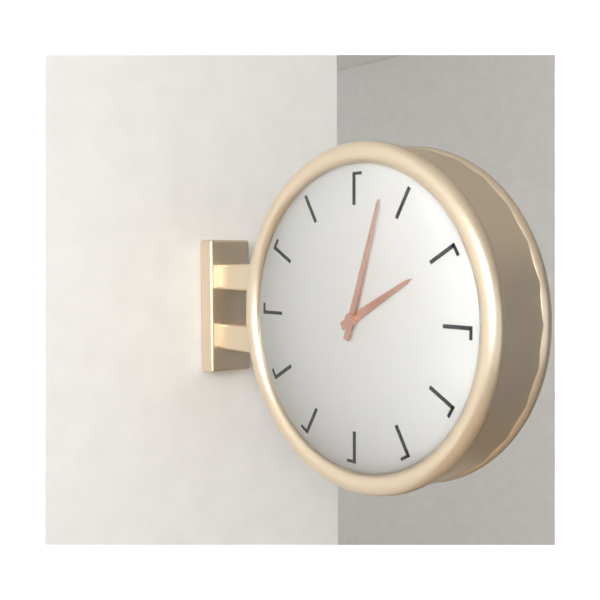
2:03
